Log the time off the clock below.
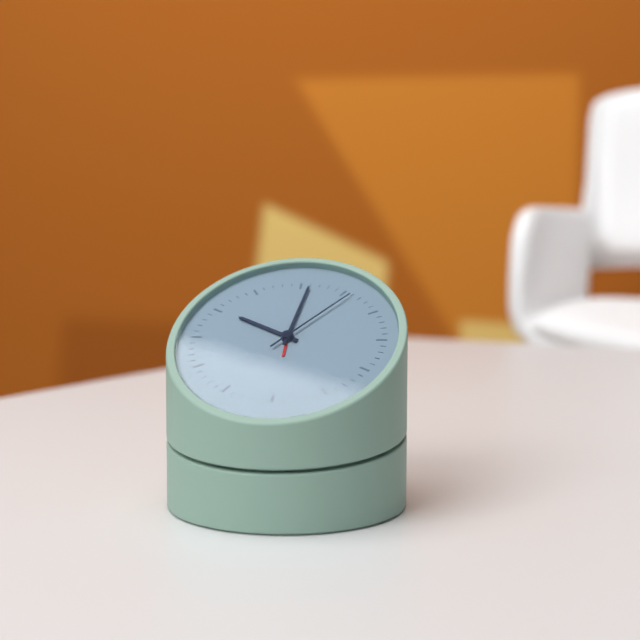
10:01:06
